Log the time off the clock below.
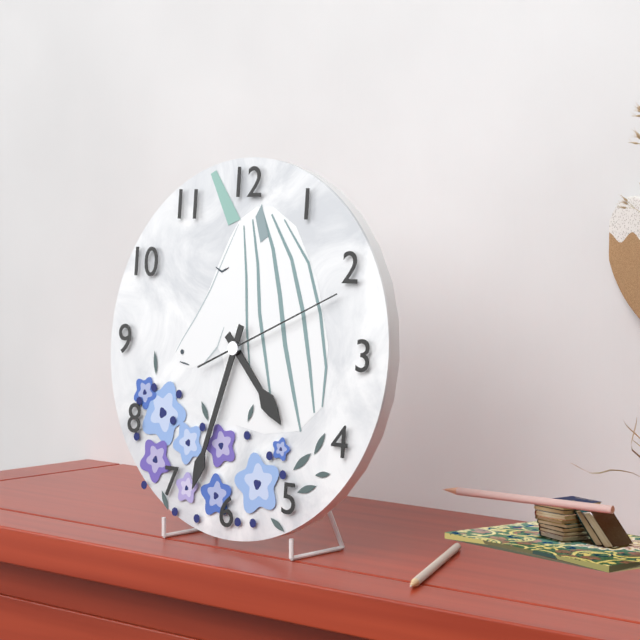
4:33:11
